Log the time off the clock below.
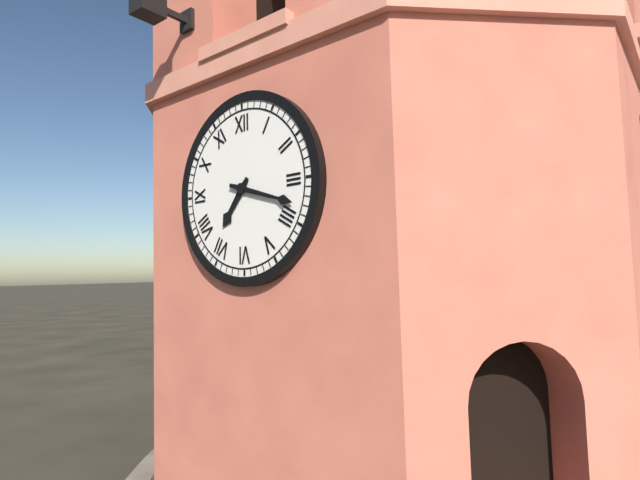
7:18
